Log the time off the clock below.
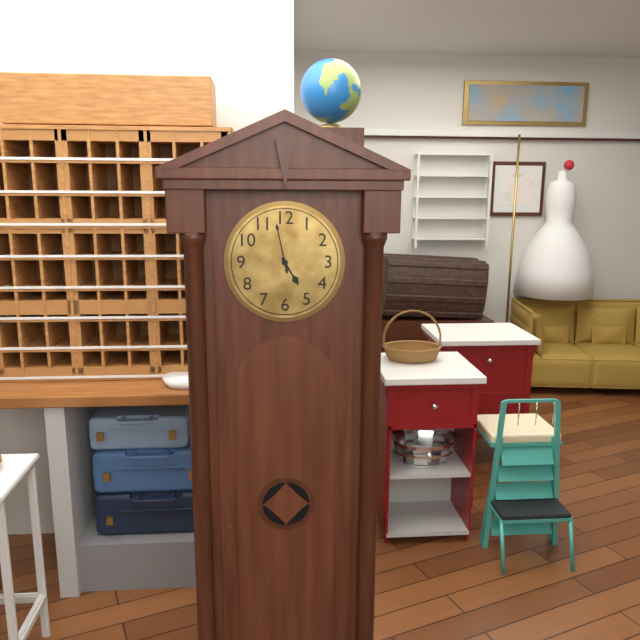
4:58
